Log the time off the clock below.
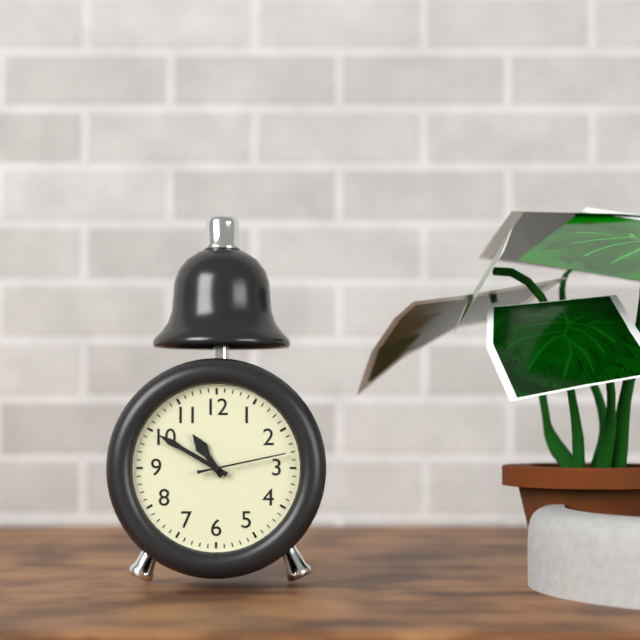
10:50:13
